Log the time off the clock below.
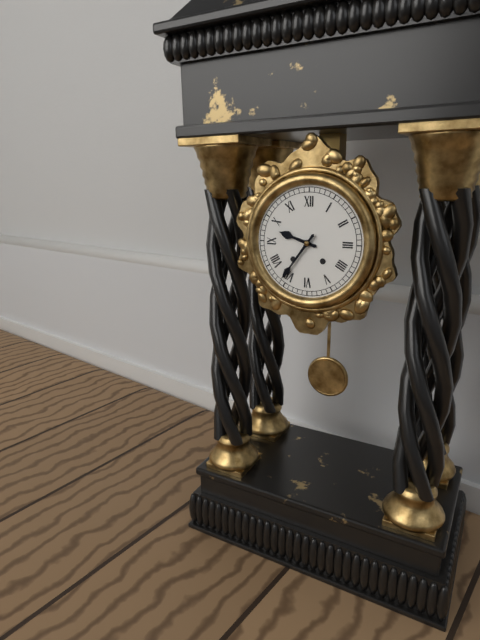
9:36
